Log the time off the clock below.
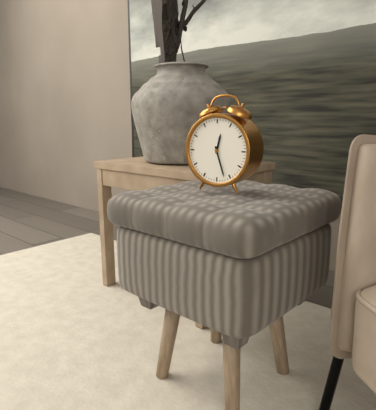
12:27
